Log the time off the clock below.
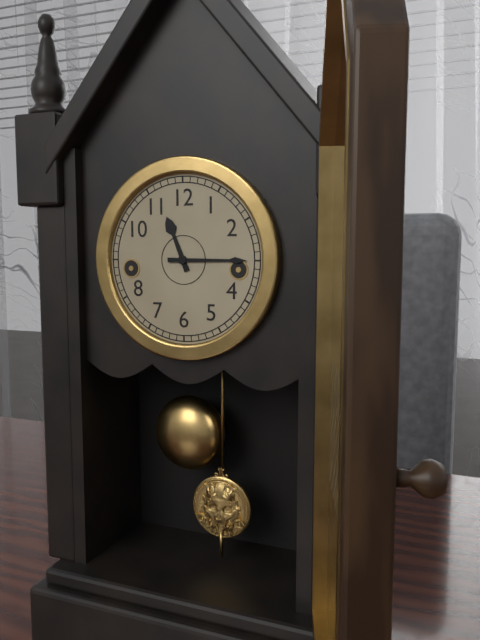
11:15
